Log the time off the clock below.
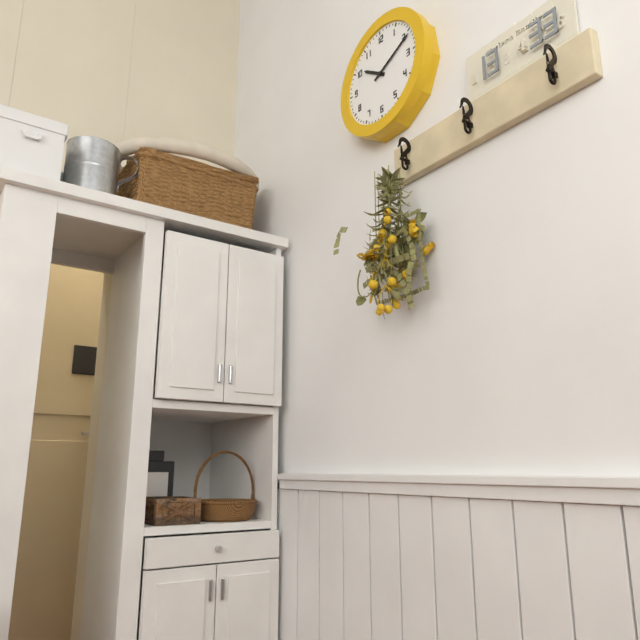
10:11
